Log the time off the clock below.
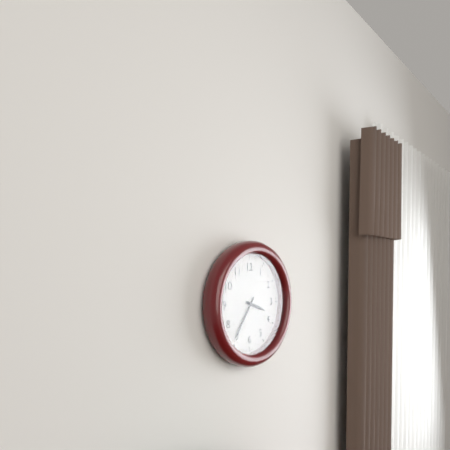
3:36
